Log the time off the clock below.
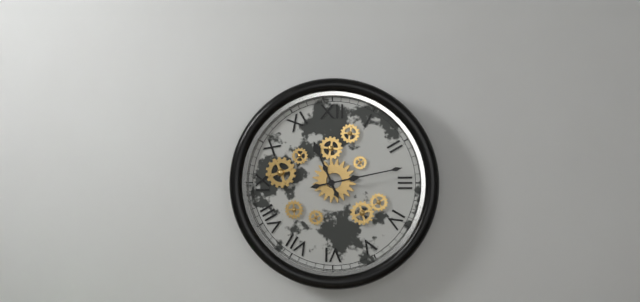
11:13
